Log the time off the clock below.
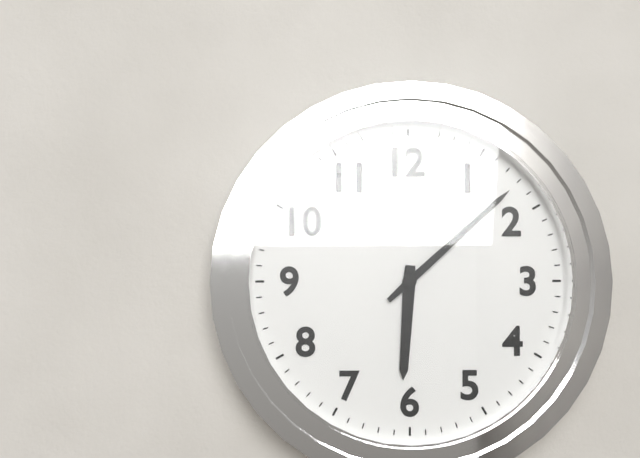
6:08
